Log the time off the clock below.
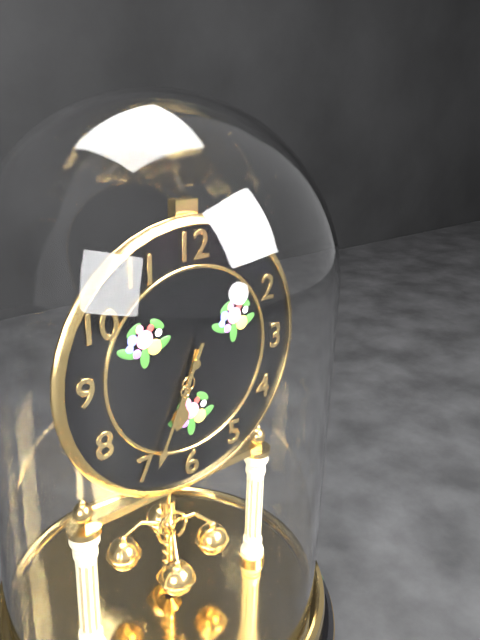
6:34
